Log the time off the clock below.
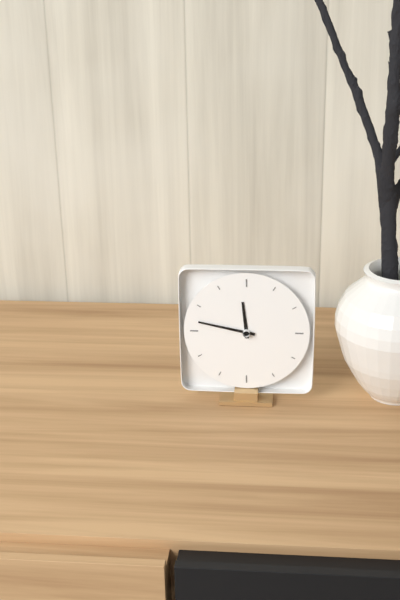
11:47
